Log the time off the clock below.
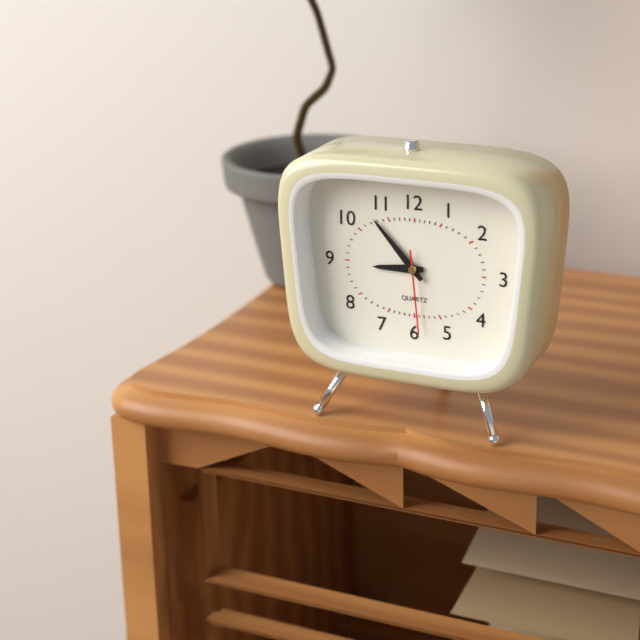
8:53:29
